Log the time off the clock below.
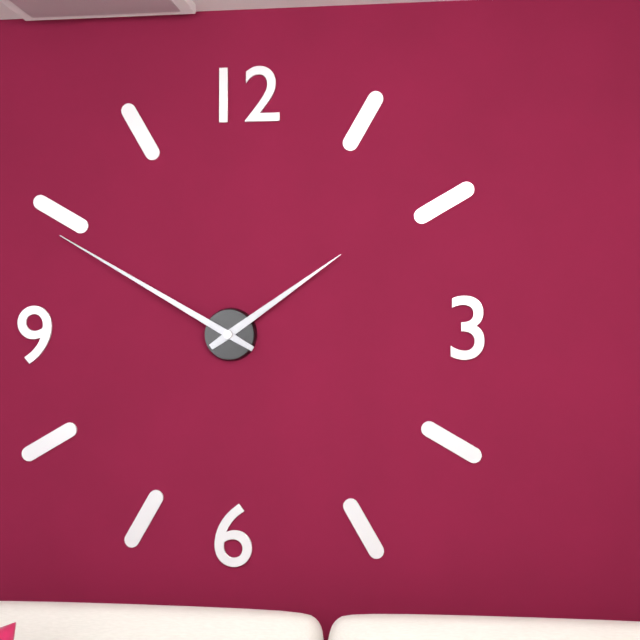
1:50
